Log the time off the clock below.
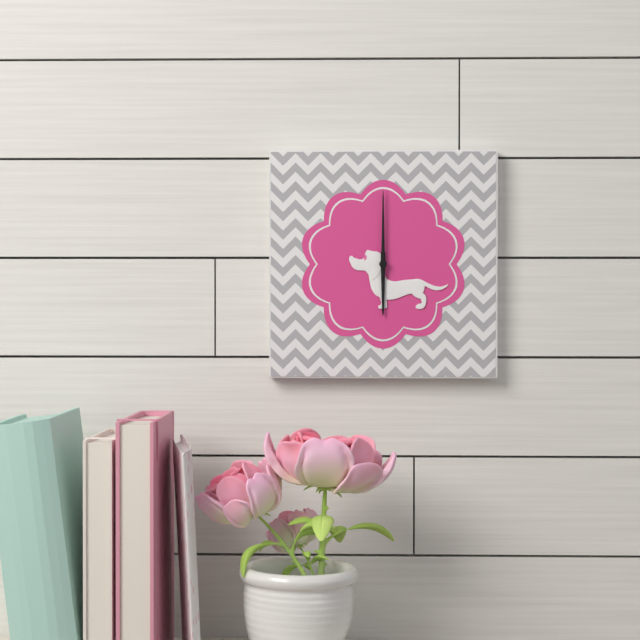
6:00
